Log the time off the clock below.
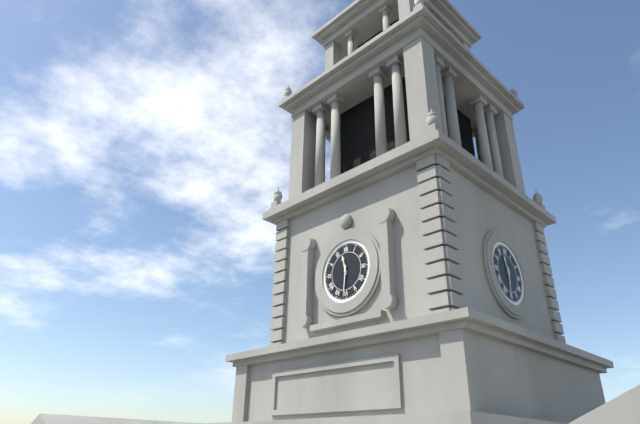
11:31
